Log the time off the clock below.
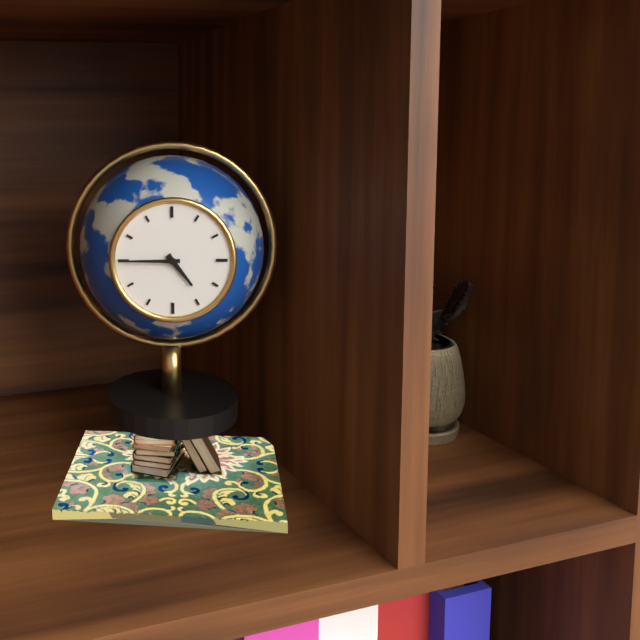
4:45
